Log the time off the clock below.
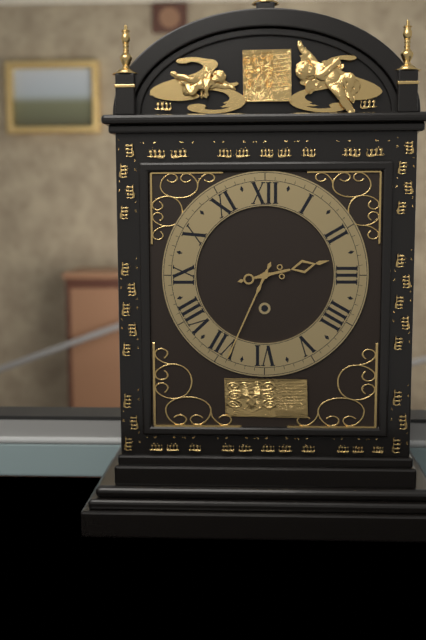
2:34
